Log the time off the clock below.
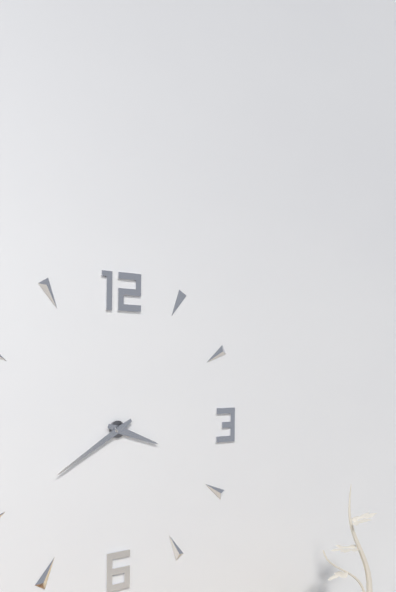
3:40
